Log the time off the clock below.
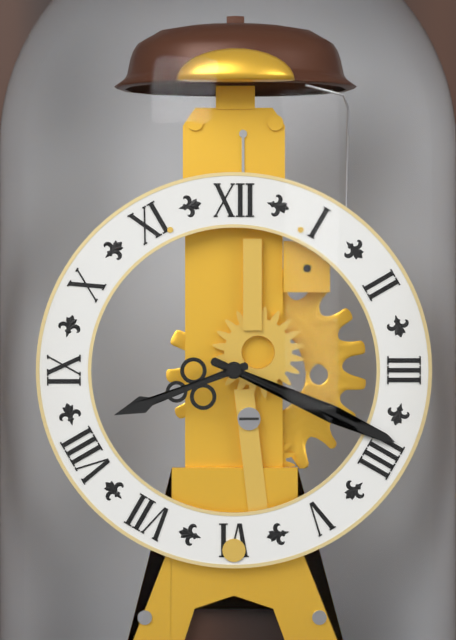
8:19
